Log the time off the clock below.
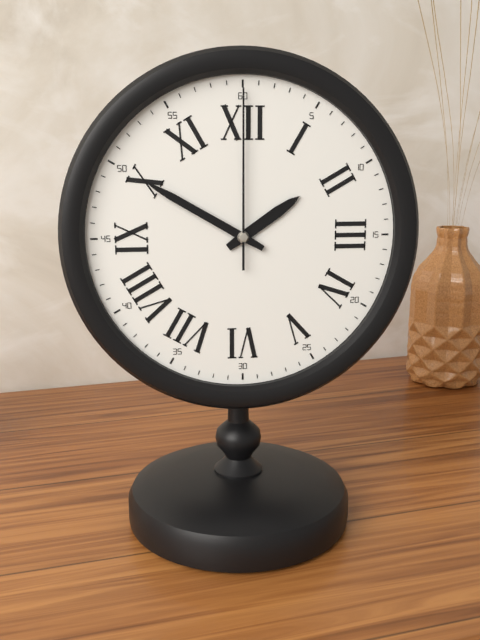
1:50:00
